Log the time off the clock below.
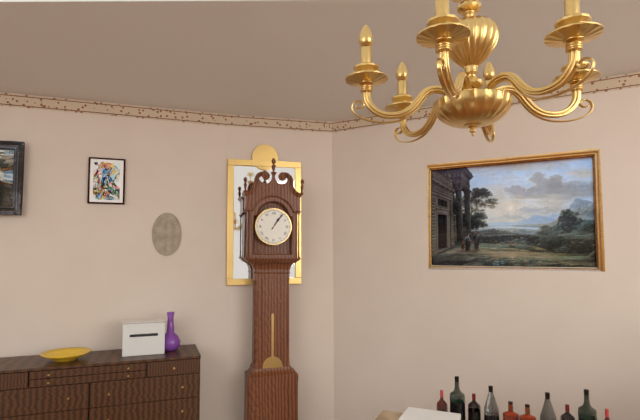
1:06
